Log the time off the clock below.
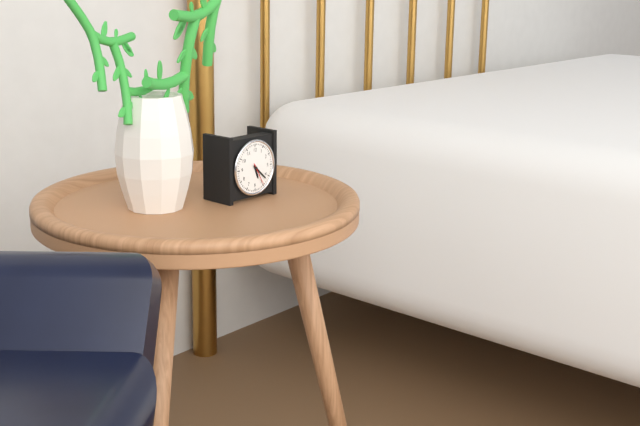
5:22
